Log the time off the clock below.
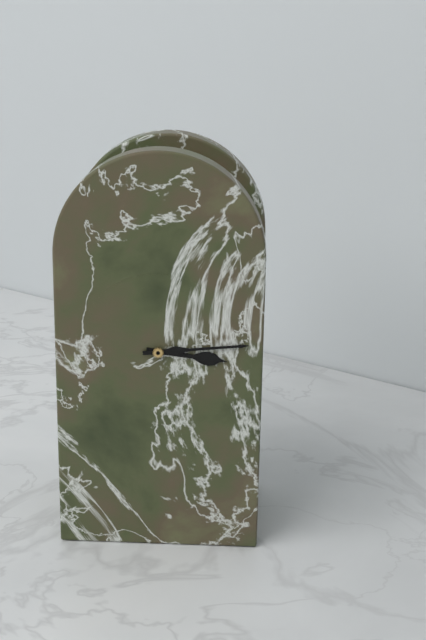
3:14
